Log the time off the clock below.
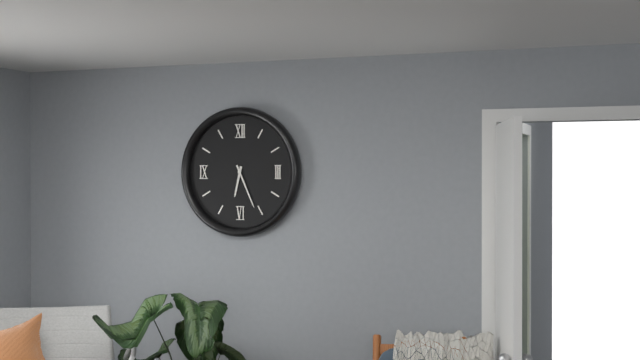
6:26
